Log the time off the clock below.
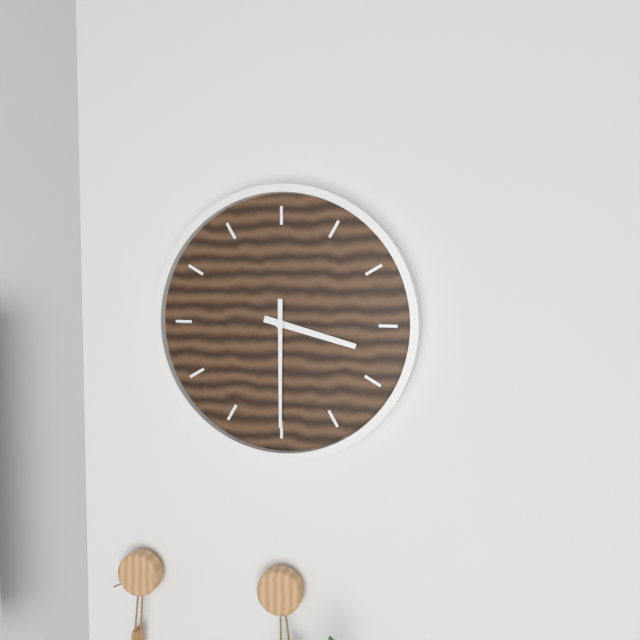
3:30
